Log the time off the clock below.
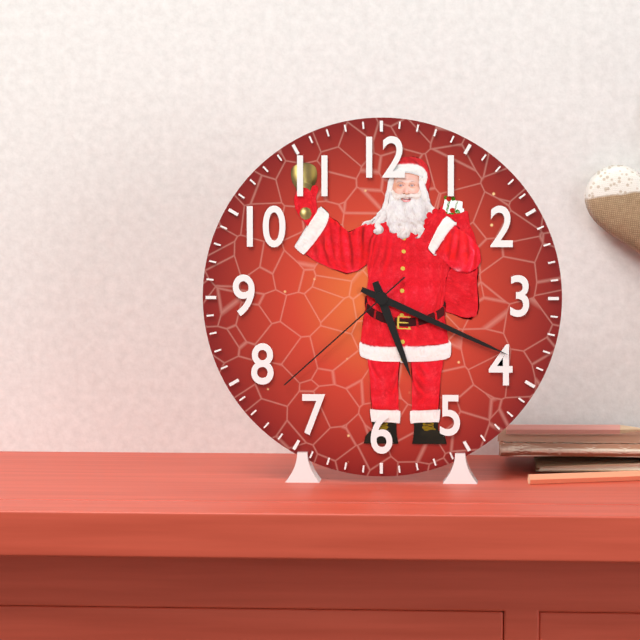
5:19:38
